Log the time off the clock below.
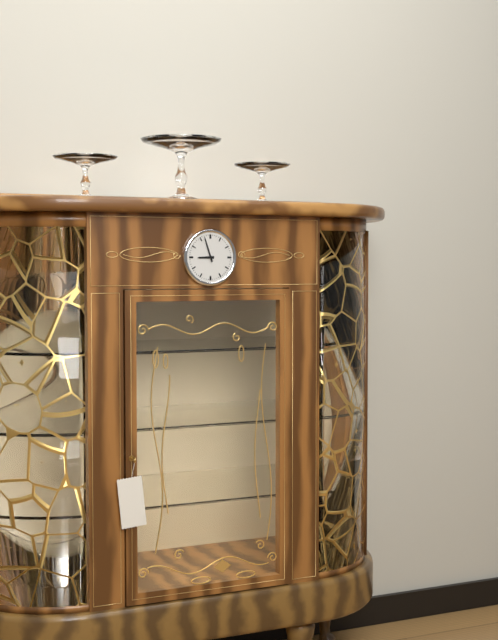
8:57
